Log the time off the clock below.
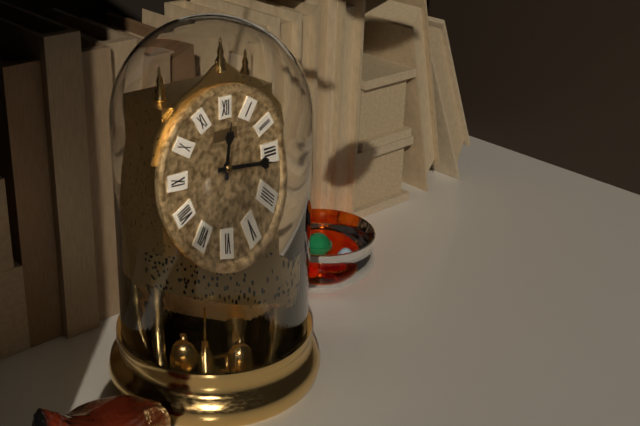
12:16
